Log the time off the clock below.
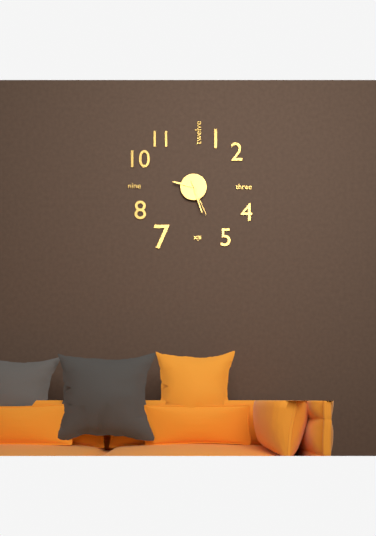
9:27
